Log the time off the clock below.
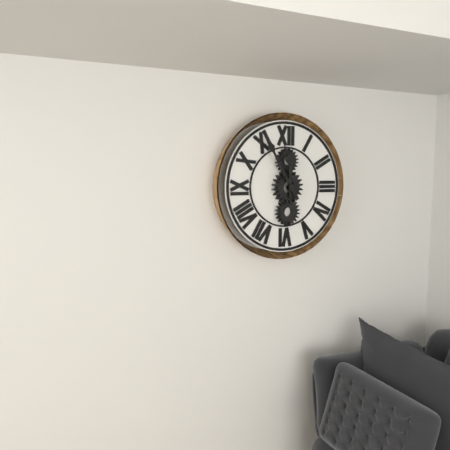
11:55
